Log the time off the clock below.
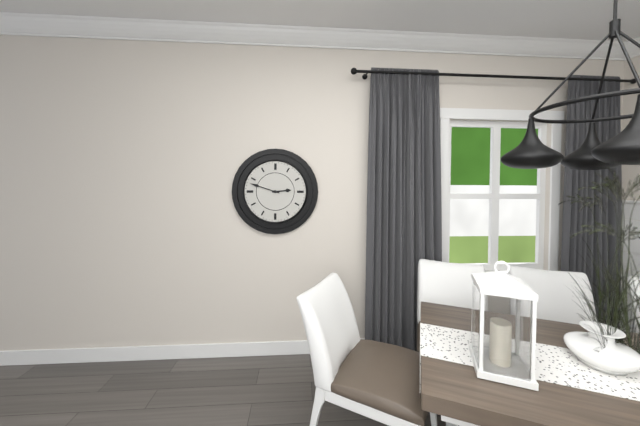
2:48
